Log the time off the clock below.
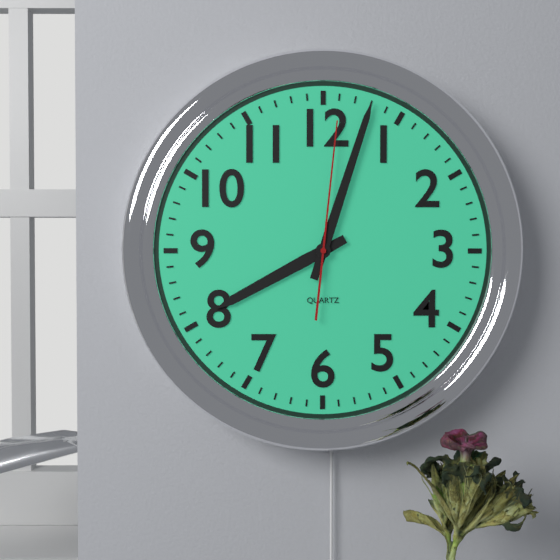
8:03:01
